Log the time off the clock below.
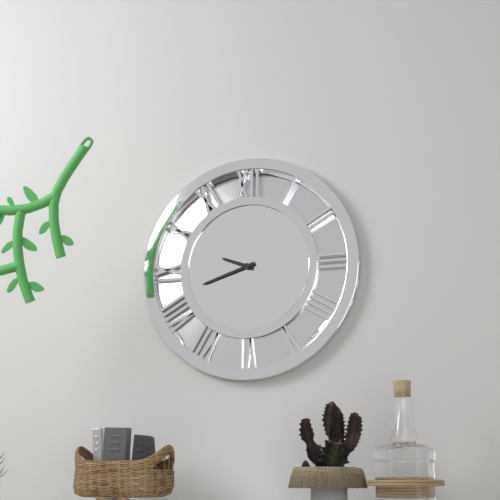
9:42
